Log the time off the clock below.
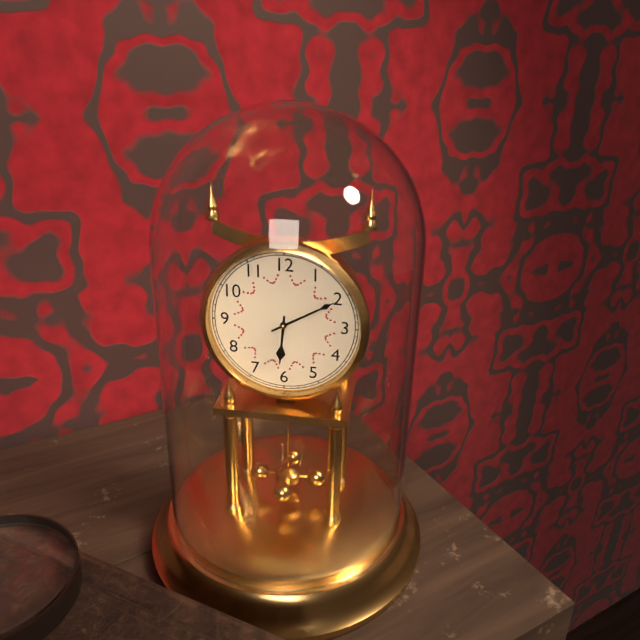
6:10
